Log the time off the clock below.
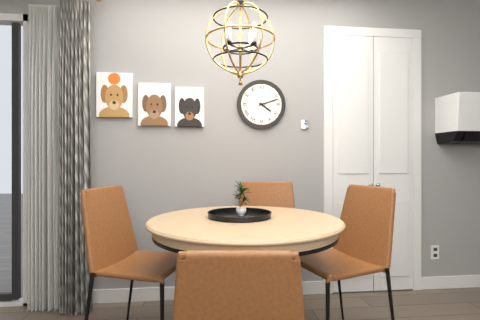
4:12
